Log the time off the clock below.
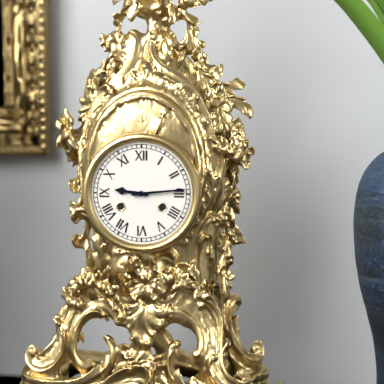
9:14
